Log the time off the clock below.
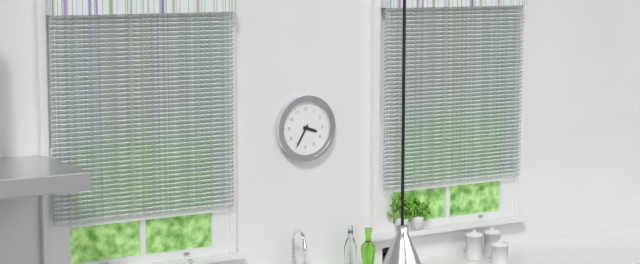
3:35
